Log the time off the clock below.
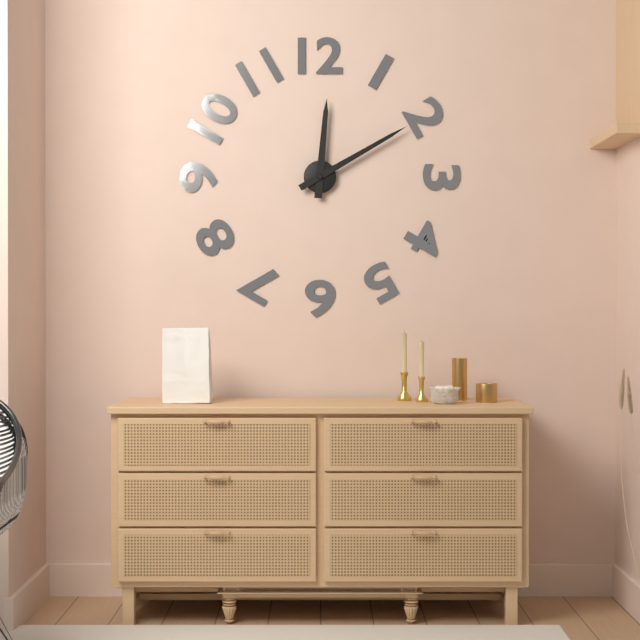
12:10
